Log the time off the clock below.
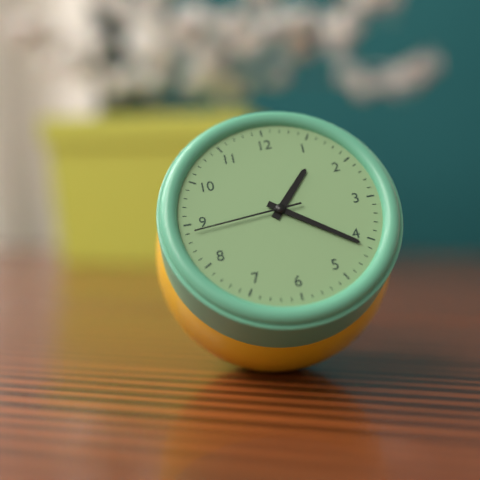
1:21:44
